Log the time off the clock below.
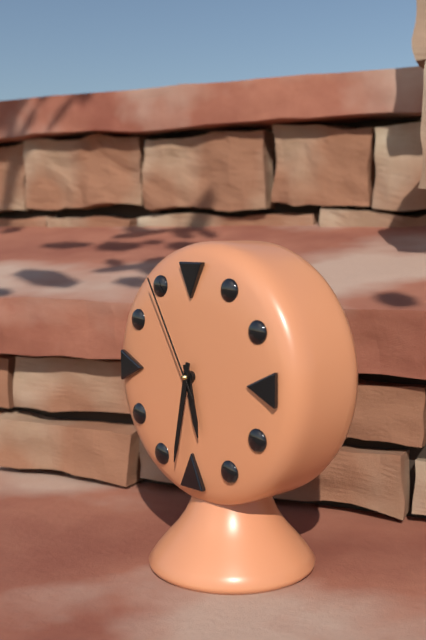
5:32:55
